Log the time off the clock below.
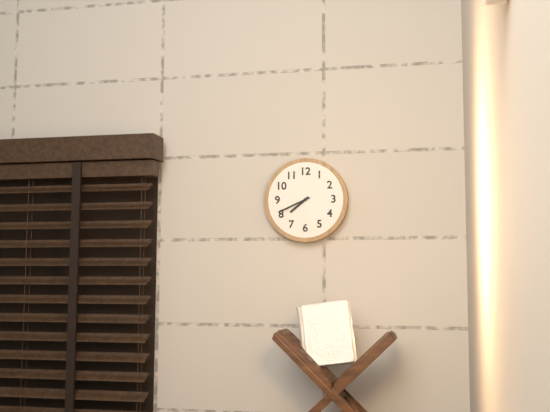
7:41
